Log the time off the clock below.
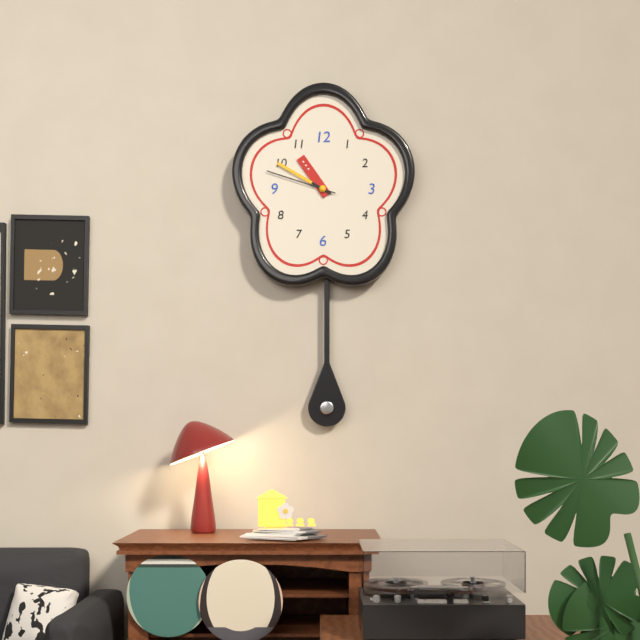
10:50:48
